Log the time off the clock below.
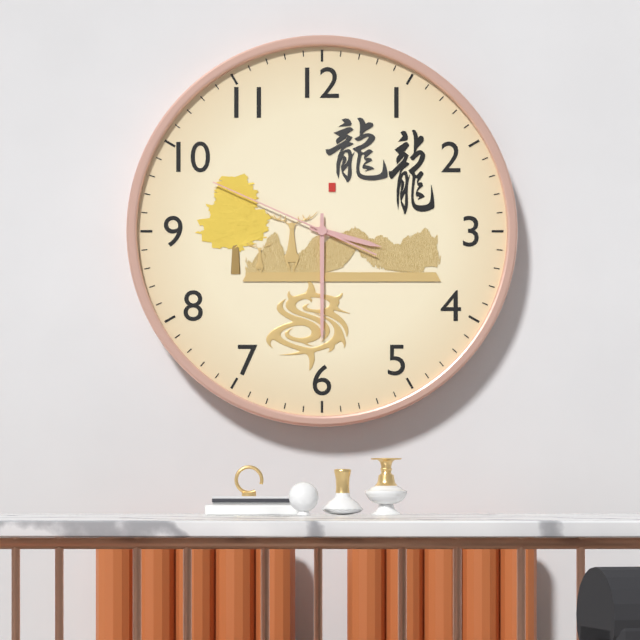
3:30:49
